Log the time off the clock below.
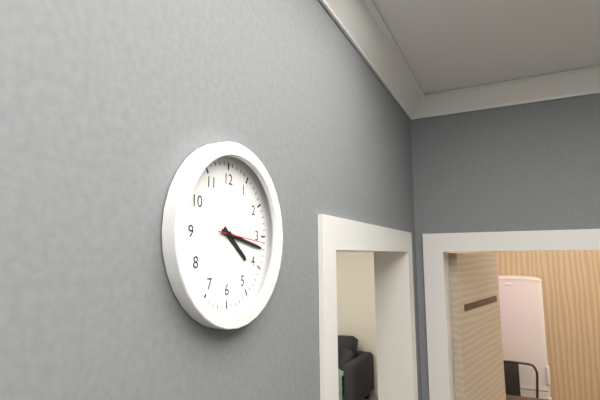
4:17
